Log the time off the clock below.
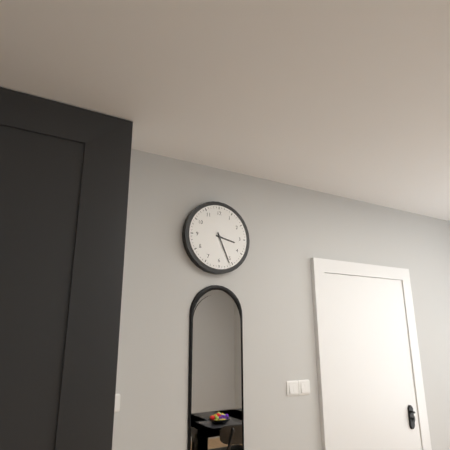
3:26
